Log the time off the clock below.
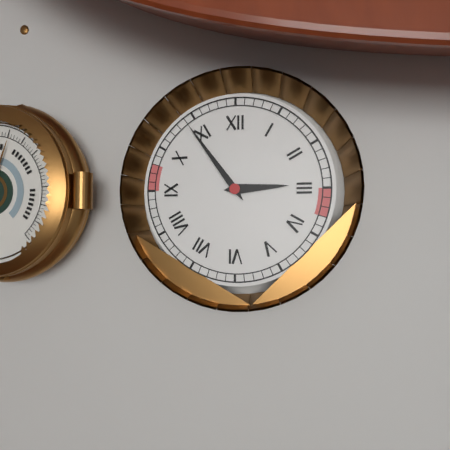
2:54
